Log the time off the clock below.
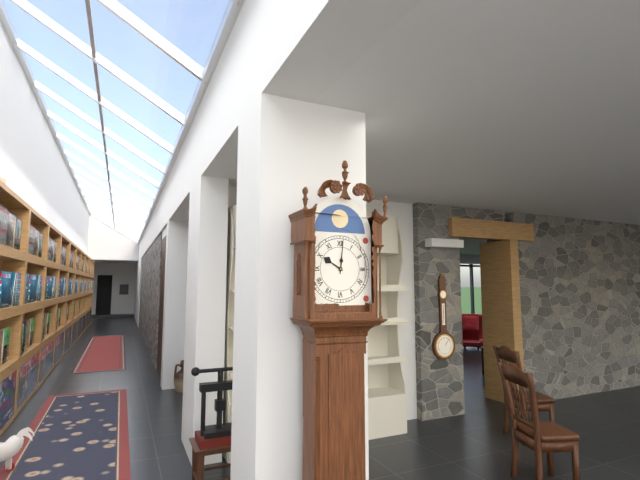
10:01
